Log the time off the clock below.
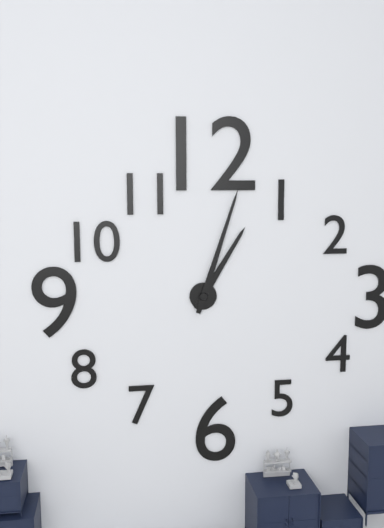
1:03
